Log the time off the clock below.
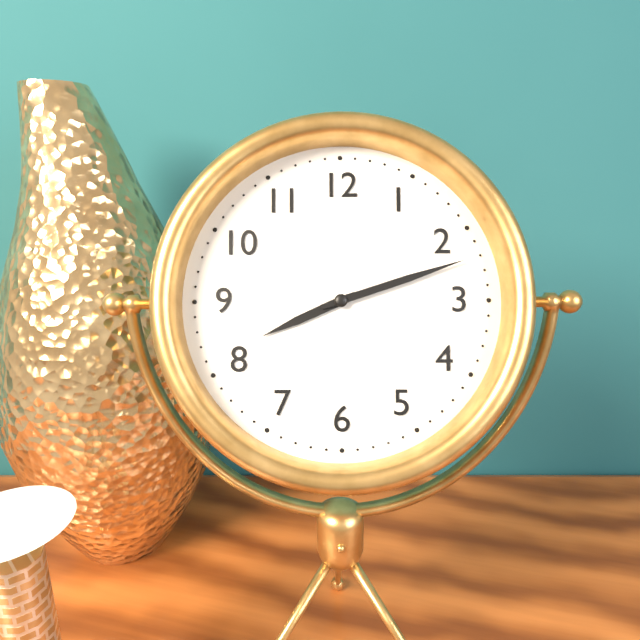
8:12
